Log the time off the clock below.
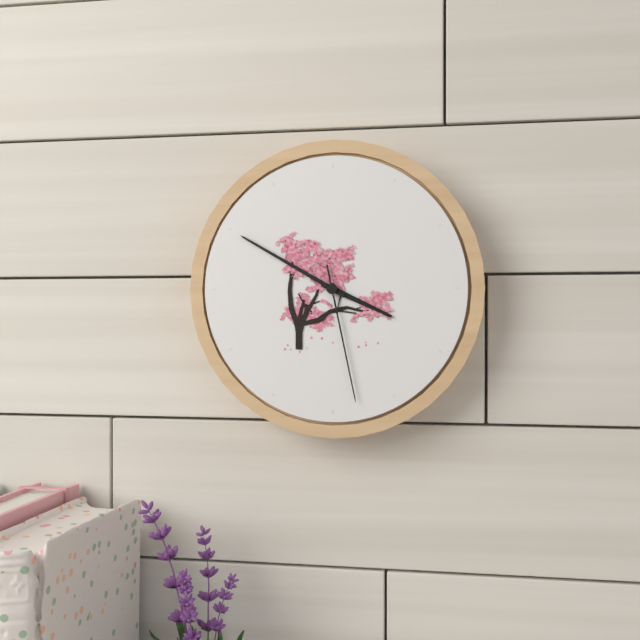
3:50:28
